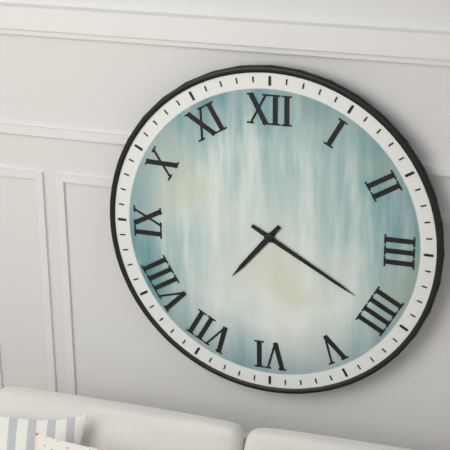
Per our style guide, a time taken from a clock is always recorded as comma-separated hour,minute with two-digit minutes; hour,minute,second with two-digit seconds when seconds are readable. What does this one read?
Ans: 7,20
